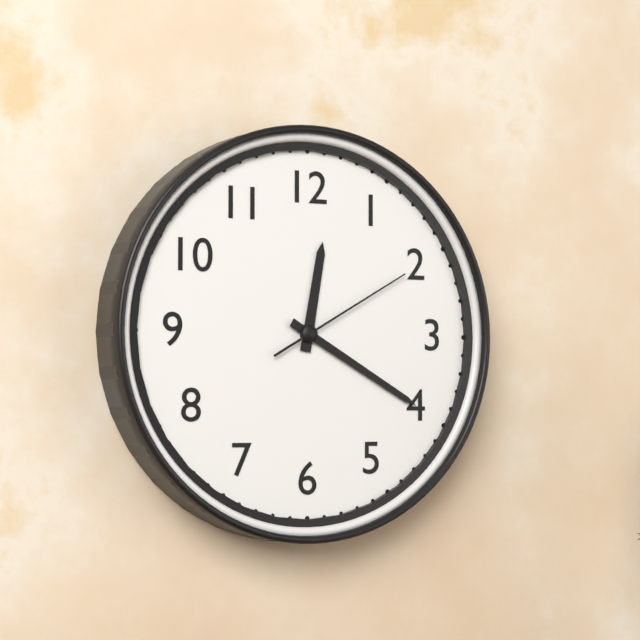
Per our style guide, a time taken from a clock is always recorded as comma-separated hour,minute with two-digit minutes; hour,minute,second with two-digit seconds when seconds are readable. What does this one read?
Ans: 12,20,10
